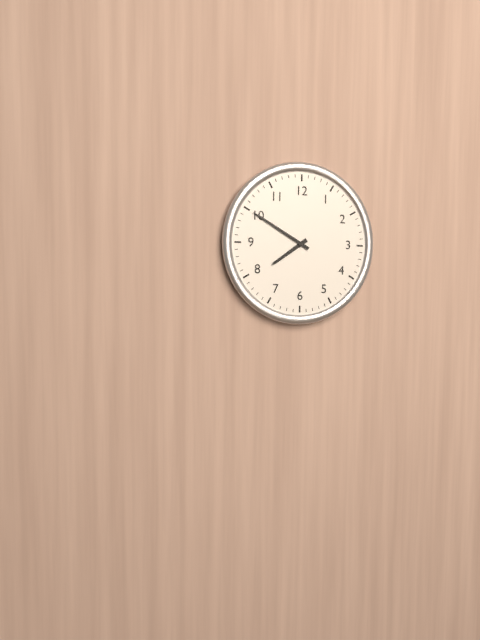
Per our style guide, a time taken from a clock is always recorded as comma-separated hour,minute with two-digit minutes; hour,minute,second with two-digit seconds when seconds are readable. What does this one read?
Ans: 7,50
